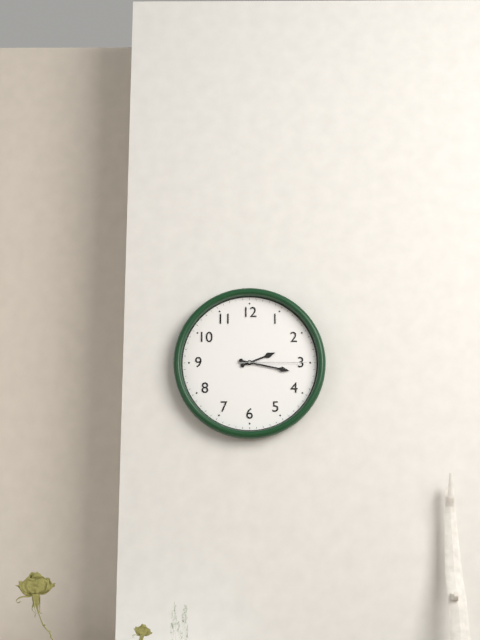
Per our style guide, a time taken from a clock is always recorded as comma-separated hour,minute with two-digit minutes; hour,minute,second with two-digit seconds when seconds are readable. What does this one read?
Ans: 2,17,15
